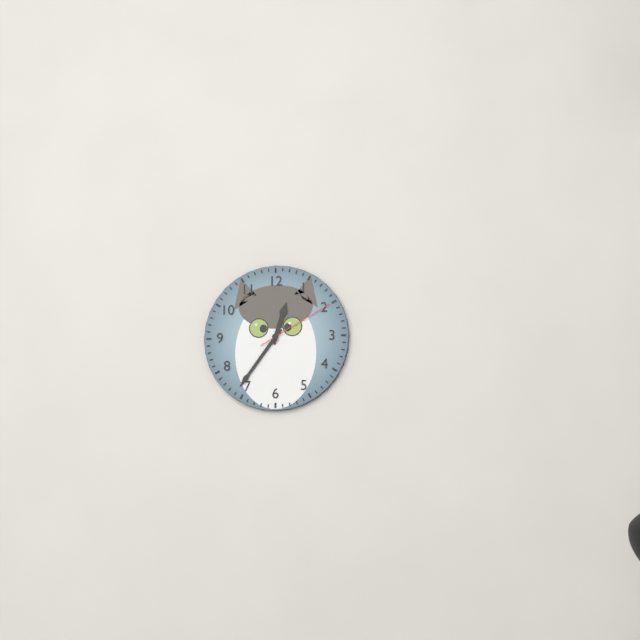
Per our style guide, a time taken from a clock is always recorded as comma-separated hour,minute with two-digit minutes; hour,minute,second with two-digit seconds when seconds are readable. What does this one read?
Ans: 12,36,10
